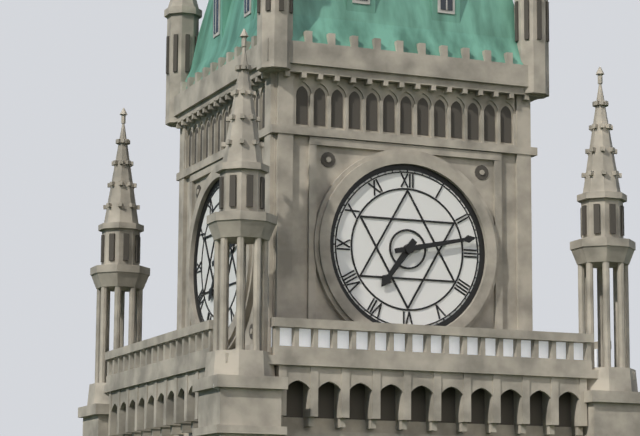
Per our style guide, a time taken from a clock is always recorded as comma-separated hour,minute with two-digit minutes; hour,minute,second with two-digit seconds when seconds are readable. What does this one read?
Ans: 7,13
